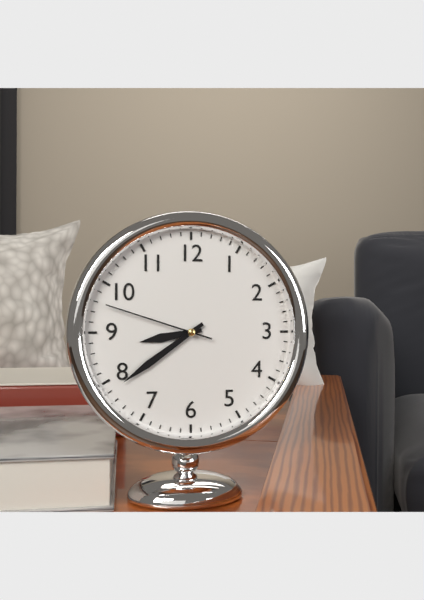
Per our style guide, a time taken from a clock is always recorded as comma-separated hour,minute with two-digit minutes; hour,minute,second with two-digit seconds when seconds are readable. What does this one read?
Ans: 8,39,48
